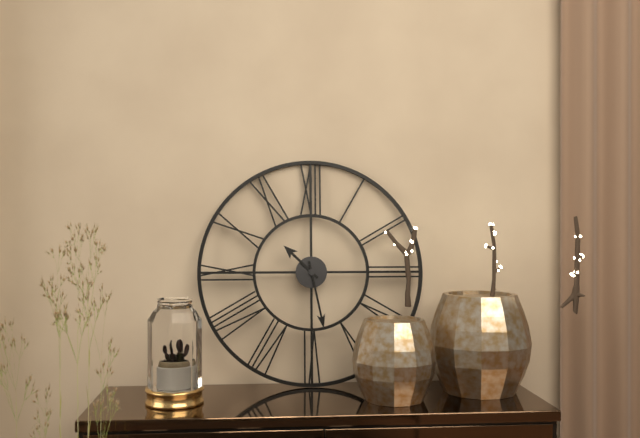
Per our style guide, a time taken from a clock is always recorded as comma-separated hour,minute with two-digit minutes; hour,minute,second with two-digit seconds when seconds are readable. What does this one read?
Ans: 10,28
